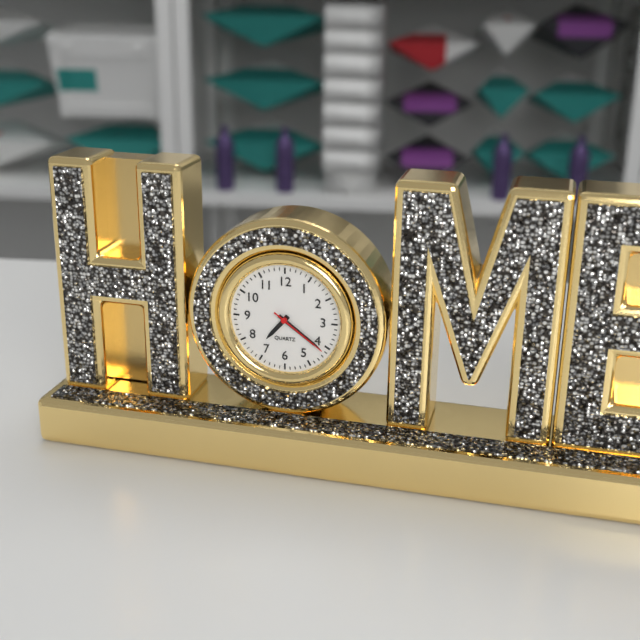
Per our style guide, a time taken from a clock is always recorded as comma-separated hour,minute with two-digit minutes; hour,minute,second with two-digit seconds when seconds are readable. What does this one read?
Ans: 7,21,21
